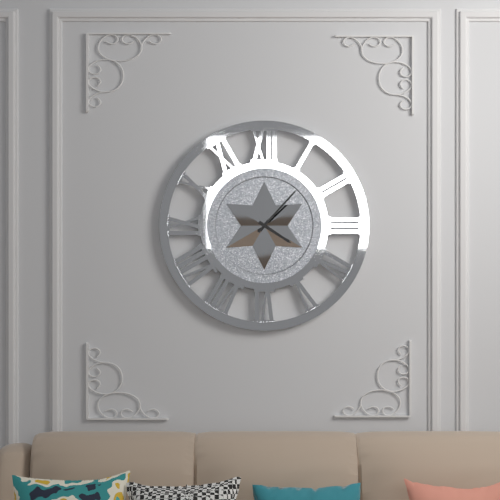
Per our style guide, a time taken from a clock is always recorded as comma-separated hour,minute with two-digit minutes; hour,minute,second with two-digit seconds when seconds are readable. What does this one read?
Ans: 4,07
